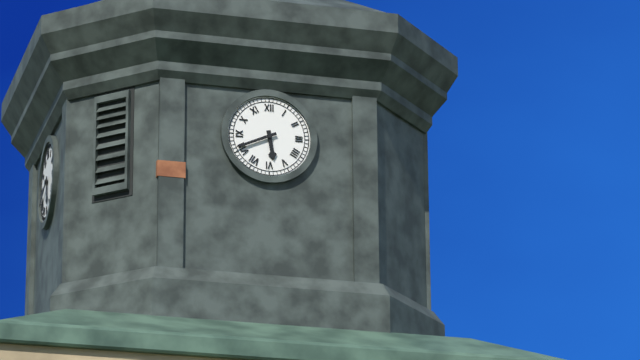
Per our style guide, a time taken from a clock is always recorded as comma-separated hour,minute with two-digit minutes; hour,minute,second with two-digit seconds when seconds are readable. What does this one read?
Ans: 5,41
